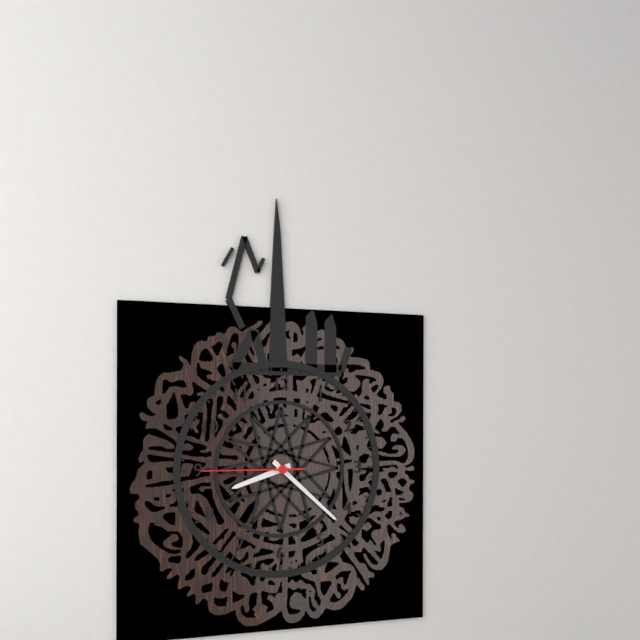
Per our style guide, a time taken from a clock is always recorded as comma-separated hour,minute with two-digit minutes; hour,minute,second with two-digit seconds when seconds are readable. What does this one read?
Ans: 8,22,45
